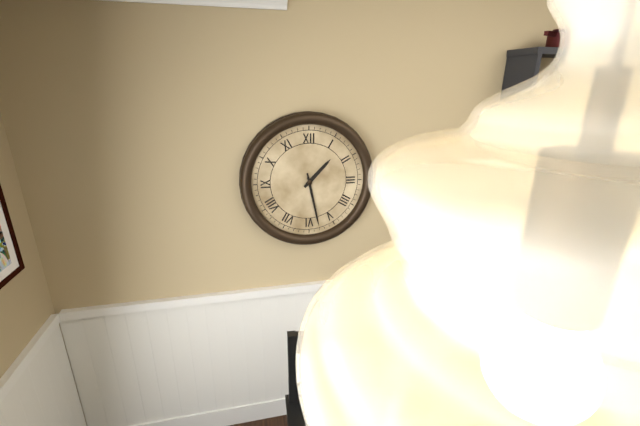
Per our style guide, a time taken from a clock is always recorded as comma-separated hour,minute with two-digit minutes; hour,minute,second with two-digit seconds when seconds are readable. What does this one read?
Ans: 1,28
